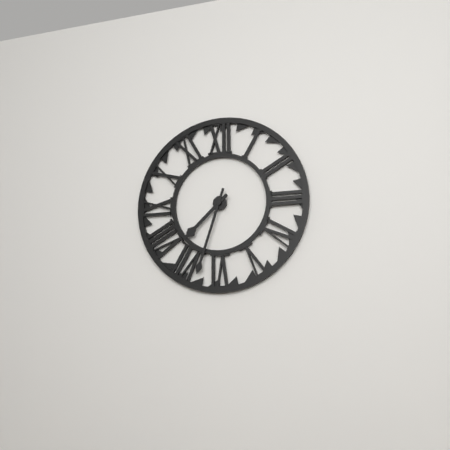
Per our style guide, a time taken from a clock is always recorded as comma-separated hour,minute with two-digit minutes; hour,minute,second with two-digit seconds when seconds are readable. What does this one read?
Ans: 7,33
